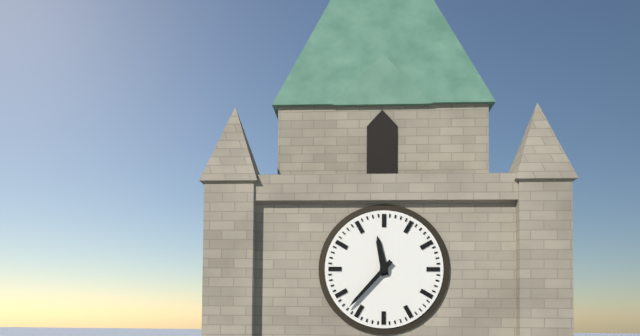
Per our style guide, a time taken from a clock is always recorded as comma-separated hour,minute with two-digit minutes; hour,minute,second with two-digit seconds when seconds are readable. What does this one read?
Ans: 11,37
